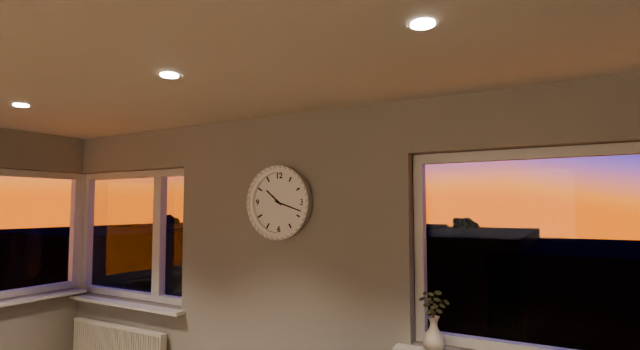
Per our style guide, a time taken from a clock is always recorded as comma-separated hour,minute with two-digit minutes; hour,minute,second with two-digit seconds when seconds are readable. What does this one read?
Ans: 10,18
